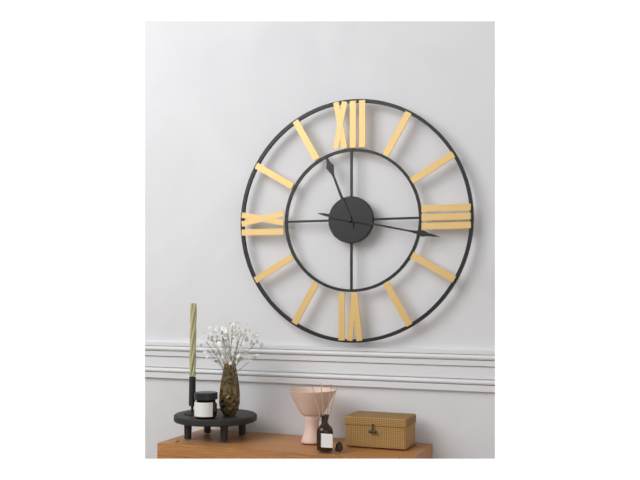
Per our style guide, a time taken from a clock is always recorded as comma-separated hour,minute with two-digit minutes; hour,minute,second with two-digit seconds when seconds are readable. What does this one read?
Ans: 11,17
